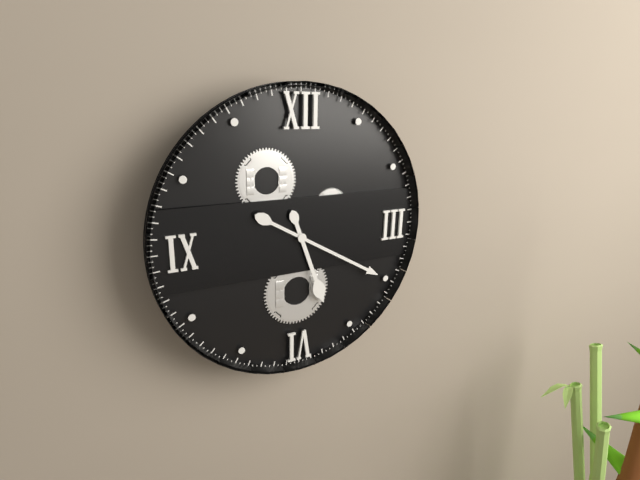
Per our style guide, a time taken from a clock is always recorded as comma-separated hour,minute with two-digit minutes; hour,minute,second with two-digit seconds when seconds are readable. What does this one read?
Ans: 5,20
